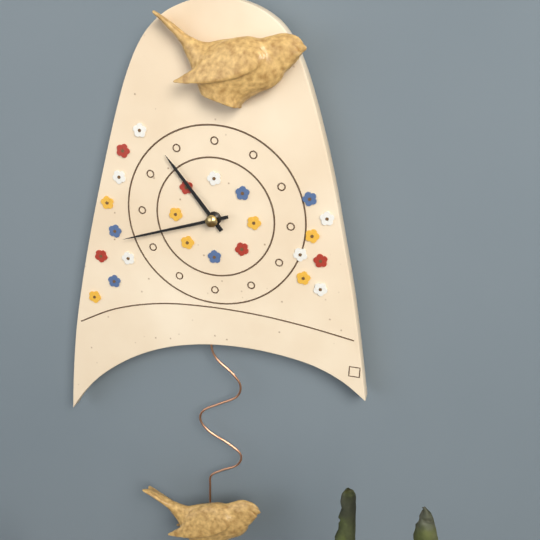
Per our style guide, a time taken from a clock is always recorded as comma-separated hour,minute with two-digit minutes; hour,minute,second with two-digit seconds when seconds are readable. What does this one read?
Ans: 10,42
